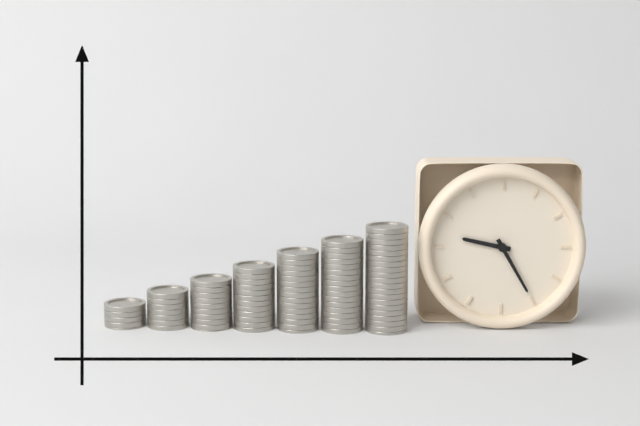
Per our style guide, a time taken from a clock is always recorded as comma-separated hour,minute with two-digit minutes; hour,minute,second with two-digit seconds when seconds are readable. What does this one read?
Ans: 9,25
